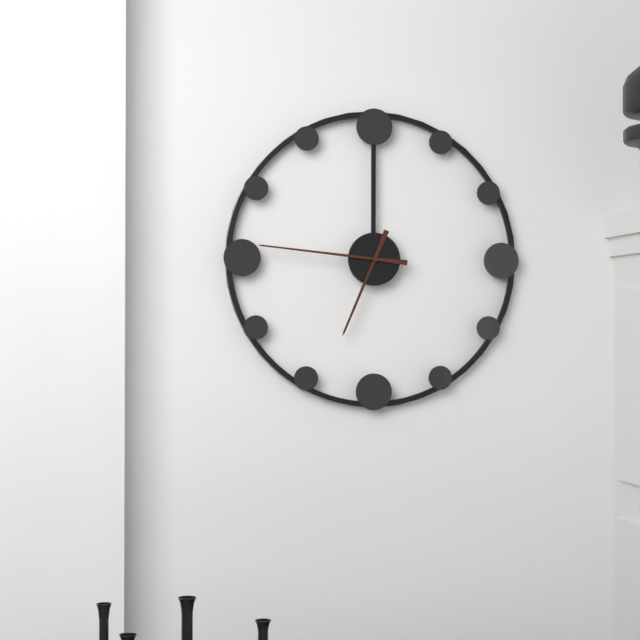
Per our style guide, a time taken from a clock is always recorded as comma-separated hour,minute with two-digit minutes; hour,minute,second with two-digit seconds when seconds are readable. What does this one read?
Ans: 6,46
